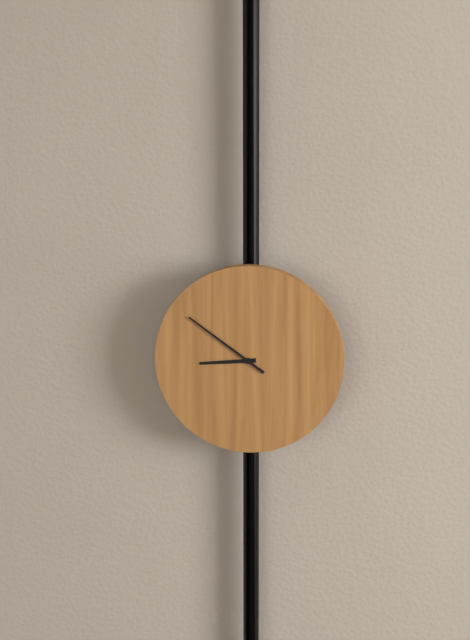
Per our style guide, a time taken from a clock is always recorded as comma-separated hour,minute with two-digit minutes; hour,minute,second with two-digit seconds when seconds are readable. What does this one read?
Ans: 8,51
